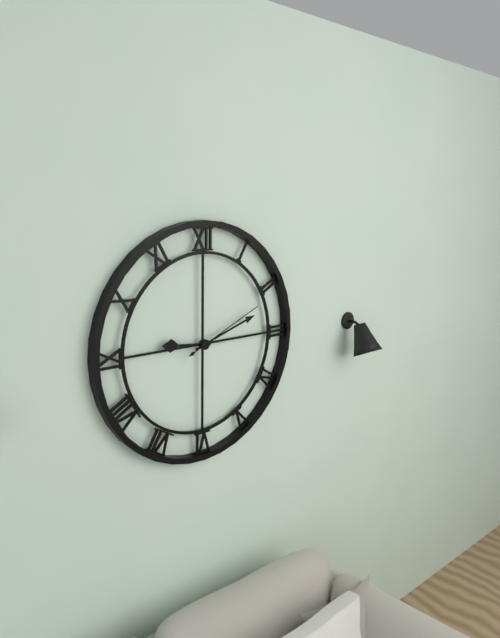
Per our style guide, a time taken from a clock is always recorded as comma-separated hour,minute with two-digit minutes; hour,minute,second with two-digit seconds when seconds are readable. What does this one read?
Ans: 9,12,11
